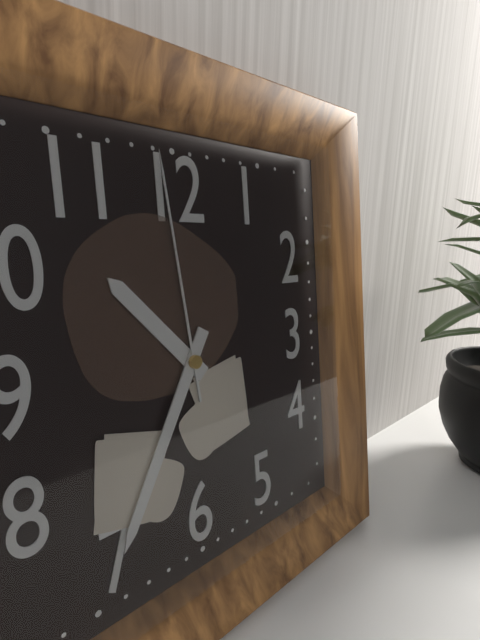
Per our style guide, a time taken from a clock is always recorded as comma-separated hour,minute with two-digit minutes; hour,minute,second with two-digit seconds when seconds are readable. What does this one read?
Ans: 10,35,59
